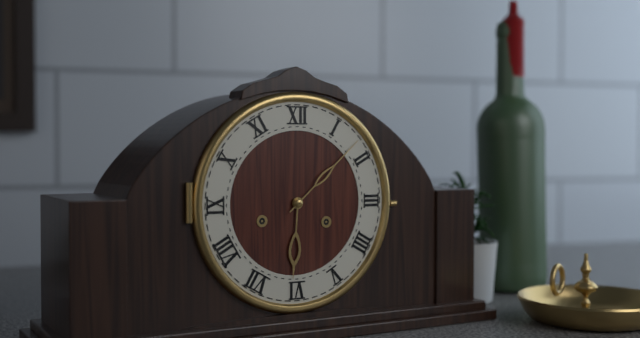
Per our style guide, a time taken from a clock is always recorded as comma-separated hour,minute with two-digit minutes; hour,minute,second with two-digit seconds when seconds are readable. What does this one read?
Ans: 6,08
